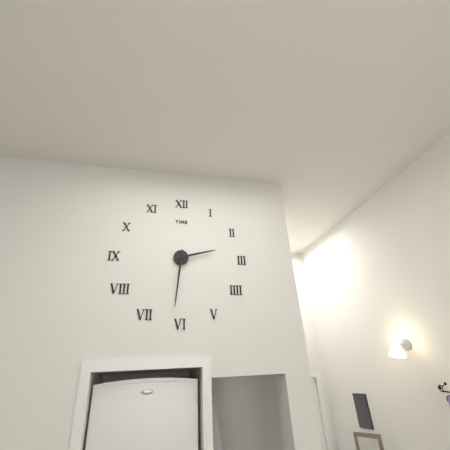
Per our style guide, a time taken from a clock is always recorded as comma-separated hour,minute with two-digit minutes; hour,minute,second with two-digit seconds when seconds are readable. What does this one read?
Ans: 2,31
